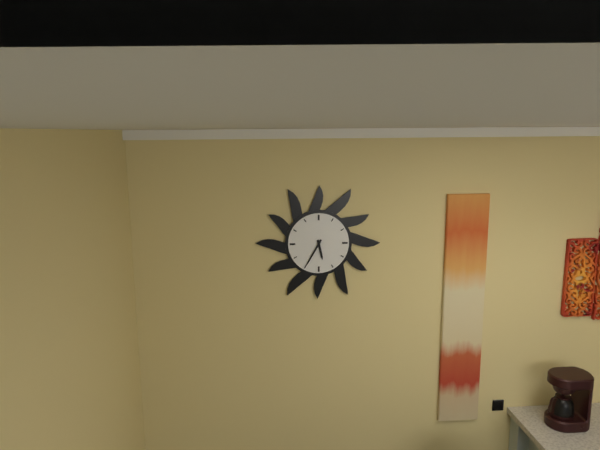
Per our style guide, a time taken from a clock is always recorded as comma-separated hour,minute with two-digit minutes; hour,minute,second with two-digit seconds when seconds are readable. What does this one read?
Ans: 5,35
